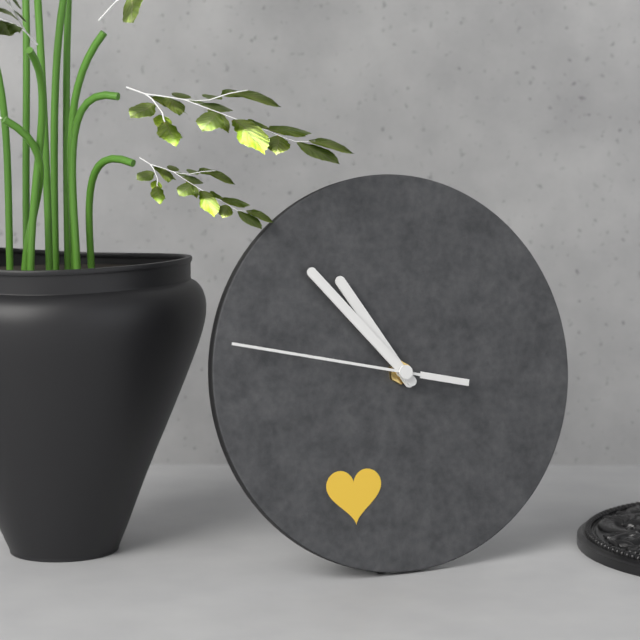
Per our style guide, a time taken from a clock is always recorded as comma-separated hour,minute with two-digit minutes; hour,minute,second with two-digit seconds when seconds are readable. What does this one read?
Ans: 10,53,47
